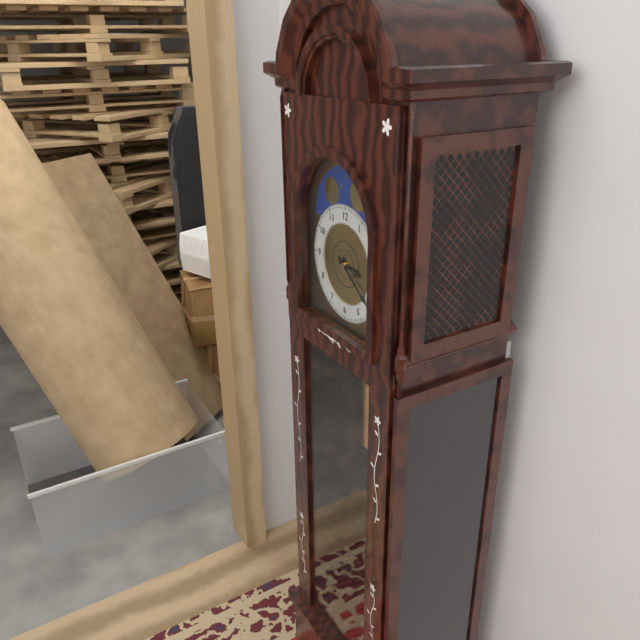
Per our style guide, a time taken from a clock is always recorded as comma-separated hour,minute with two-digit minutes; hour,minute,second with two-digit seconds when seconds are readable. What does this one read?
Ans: 3,21
